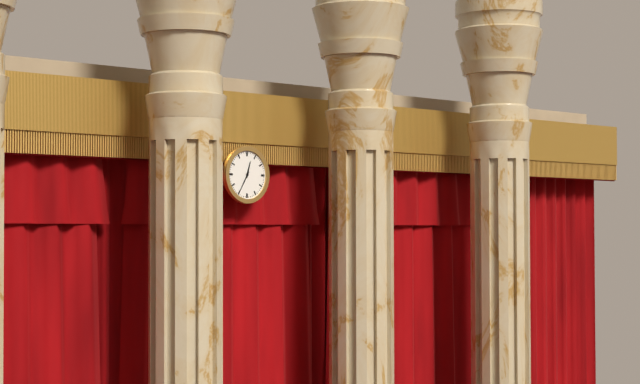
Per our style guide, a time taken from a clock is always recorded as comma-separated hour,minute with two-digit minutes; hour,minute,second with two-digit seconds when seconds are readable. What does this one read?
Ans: 12,35
